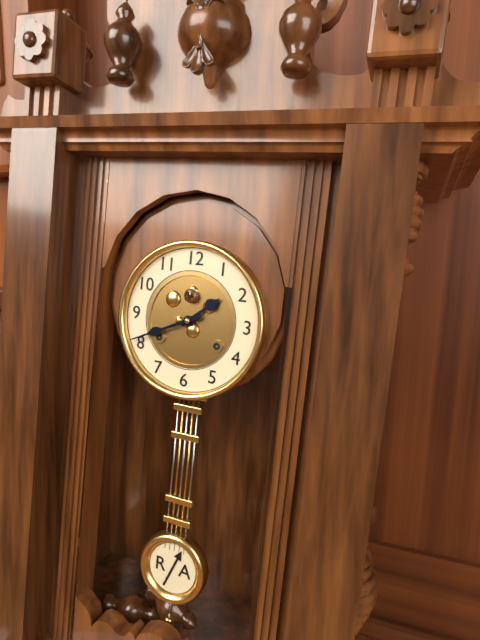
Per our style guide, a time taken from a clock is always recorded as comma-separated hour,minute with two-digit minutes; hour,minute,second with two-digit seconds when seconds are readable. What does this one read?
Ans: 1,41
